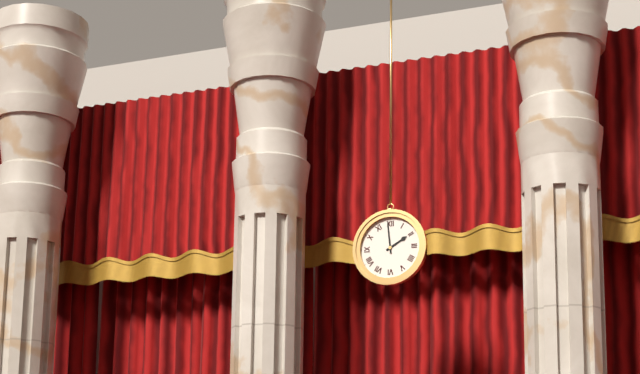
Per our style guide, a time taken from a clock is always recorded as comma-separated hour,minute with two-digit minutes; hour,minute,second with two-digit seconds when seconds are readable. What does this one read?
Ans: 1,59
